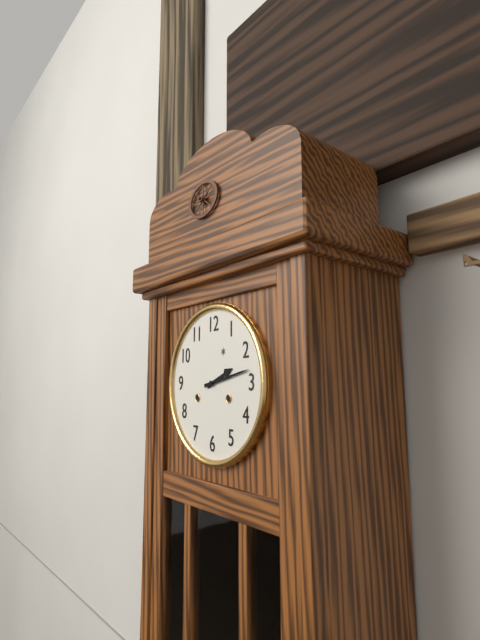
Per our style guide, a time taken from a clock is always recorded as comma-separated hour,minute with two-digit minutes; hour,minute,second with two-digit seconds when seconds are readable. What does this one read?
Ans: 2,13
